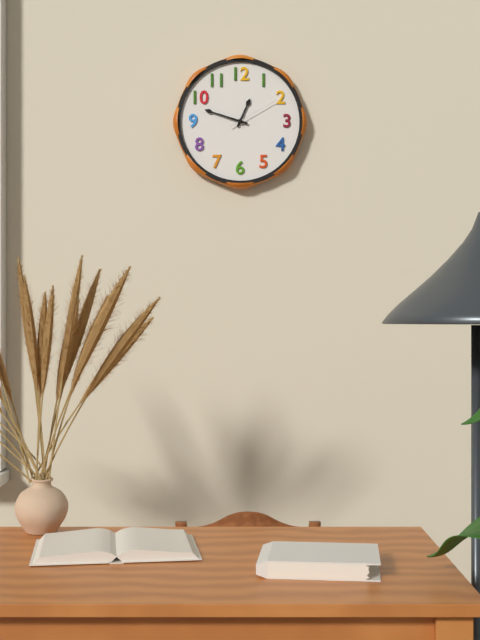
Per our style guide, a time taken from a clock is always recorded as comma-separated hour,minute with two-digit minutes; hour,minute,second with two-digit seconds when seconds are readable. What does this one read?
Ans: 12,48,10
